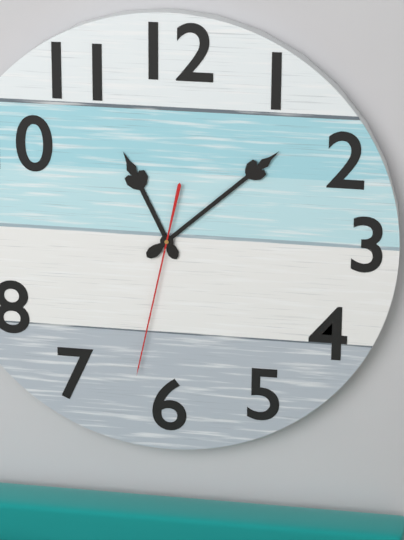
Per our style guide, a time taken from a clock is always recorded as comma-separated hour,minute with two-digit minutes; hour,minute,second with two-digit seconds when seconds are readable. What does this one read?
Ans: 11,08,32
